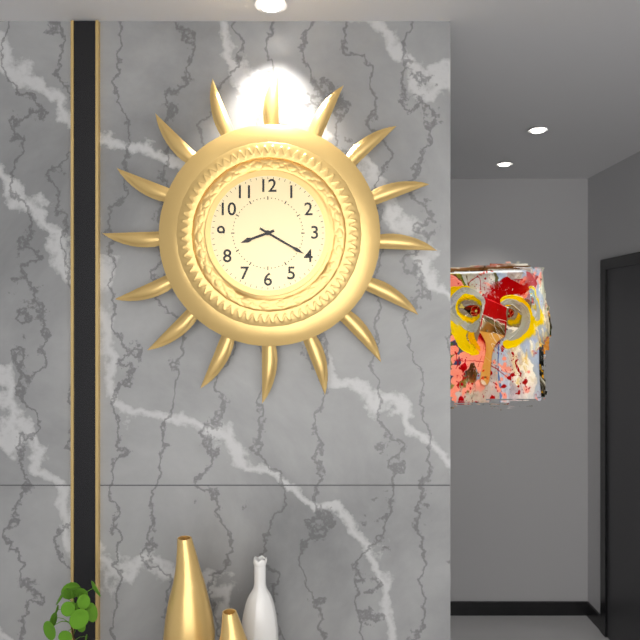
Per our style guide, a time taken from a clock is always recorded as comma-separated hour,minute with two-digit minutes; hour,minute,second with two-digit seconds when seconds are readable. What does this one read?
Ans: 8,20
